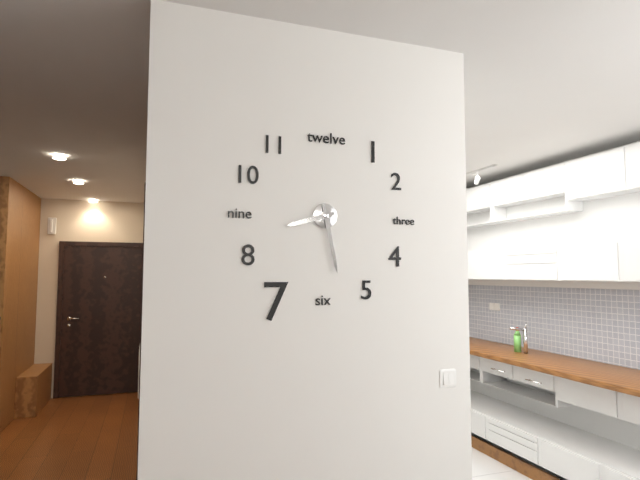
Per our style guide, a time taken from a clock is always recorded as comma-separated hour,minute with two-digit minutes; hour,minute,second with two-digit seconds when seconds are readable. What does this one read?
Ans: 8,28
